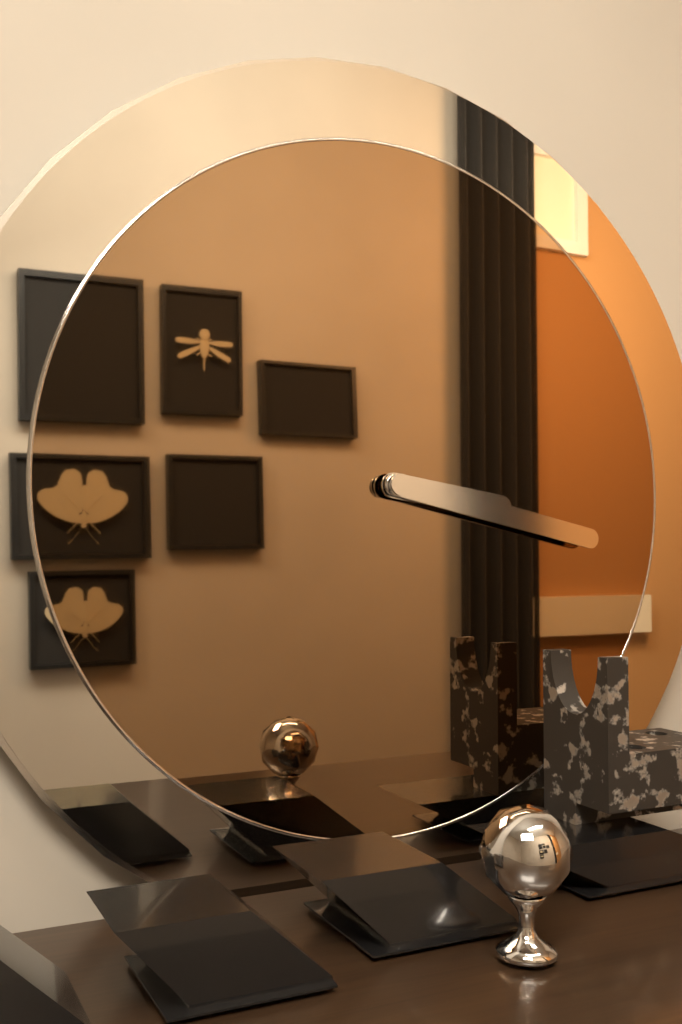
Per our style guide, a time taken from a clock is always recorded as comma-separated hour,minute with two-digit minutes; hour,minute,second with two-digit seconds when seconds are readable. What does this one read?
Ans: 3,17
